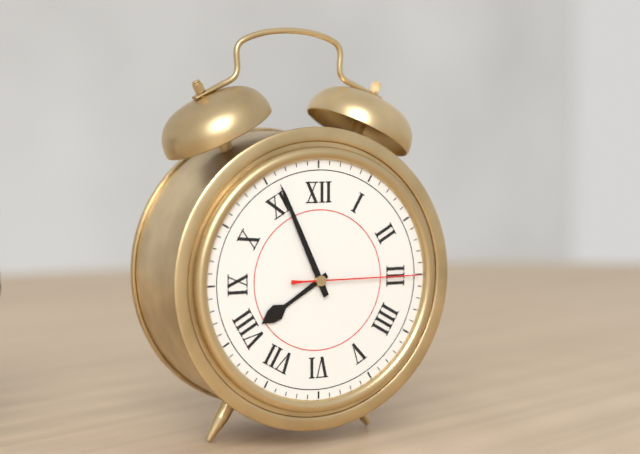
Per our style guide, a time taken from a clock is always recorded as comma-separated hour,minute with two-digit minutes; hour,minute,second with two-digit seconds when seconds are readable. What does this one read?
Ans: 7,56,15
